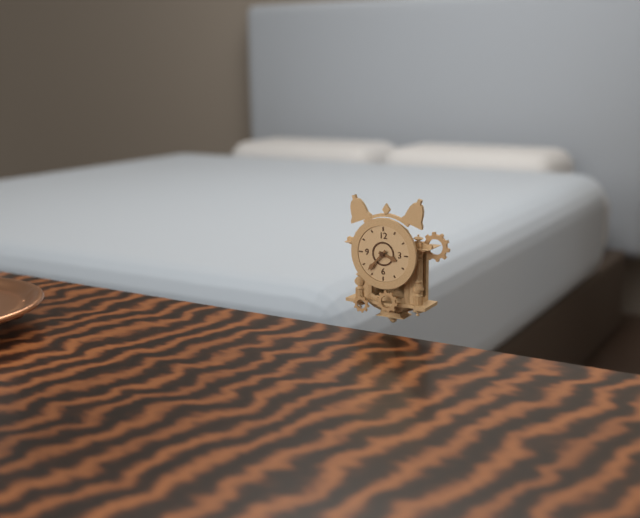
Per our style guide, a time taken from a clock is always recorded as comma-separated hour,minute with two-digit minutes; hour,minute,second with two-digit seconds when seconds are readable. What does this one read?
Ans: 3,37
